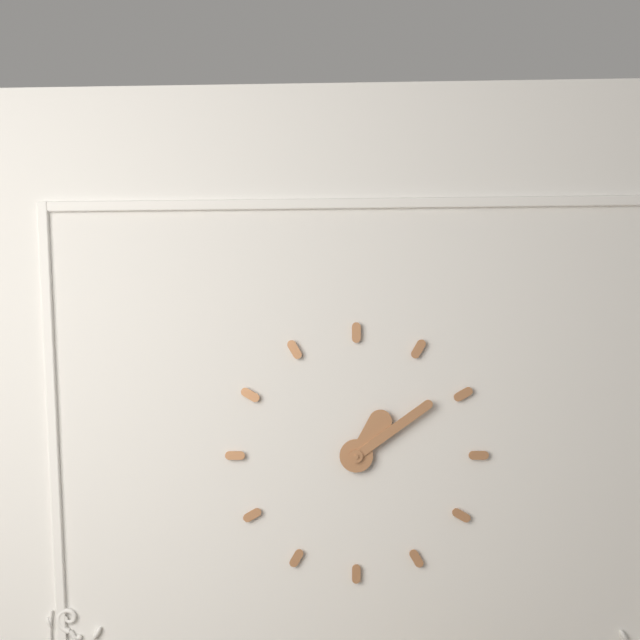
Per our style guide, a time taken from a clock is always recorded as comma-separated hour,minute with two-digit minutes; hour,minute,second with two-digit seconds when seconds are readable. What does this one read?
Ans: 1,09
